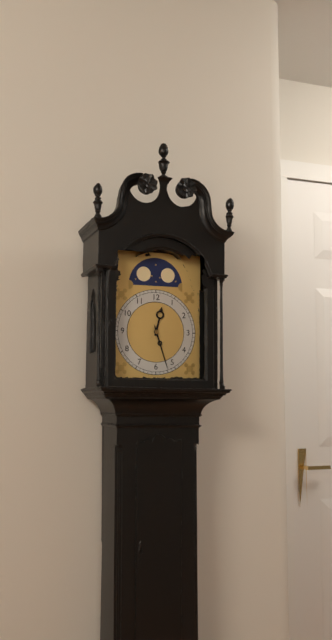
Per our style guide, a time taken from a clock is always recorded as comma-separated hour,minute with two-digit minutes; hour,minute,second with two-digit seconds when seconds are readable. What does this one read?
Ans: 12,27
